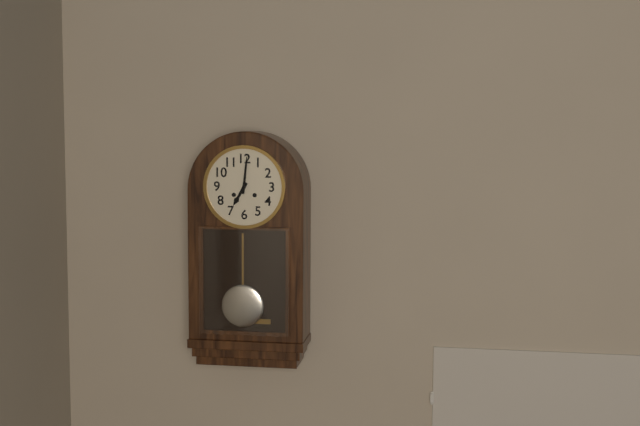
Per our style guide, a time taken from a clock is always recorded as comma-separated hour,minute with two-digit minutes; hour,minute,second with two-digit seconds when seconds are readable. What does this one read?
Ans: 7,01
